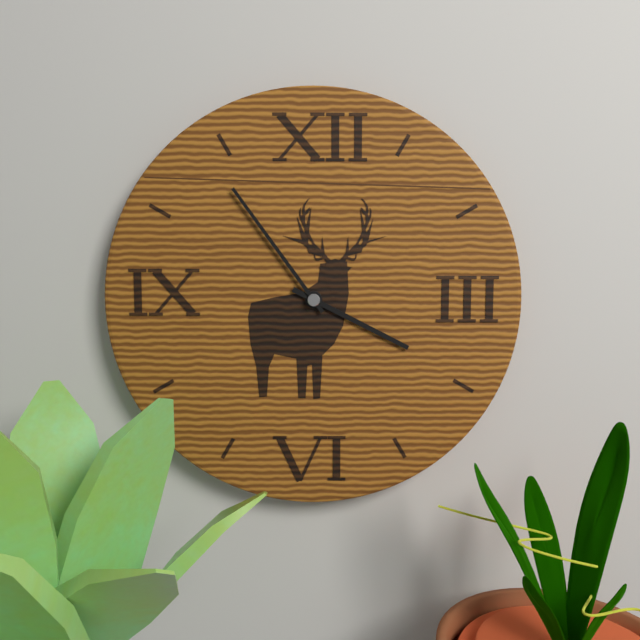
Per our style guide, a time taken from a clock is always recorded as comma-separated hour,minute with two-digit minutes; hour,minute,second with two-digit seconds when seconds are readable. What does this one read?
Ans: 3,54
